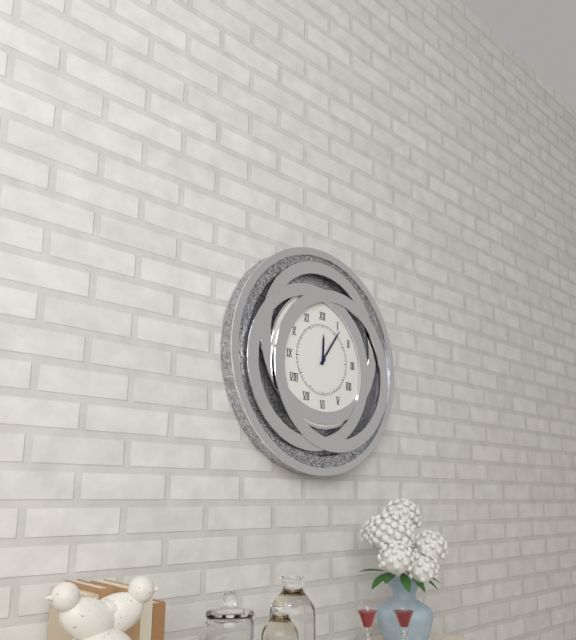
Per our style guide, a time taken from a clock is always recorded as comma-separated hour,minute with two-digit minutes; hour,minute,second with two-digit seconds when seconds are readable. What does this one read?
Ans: 12,06
